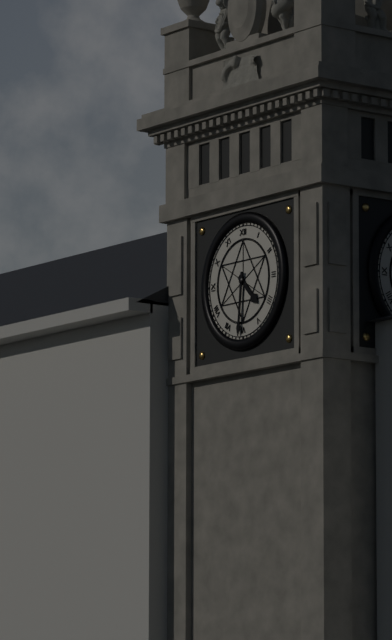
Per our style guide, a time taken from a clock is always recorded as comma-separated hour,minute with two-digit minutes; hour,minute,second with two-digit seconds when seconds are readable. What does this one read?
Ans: 4,31
